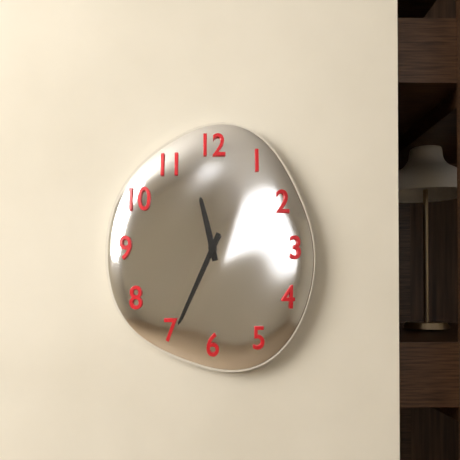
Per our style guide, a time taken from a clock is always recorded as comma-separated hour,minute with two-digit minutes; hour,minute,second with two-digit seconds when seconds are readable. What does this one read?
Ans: 11,34
